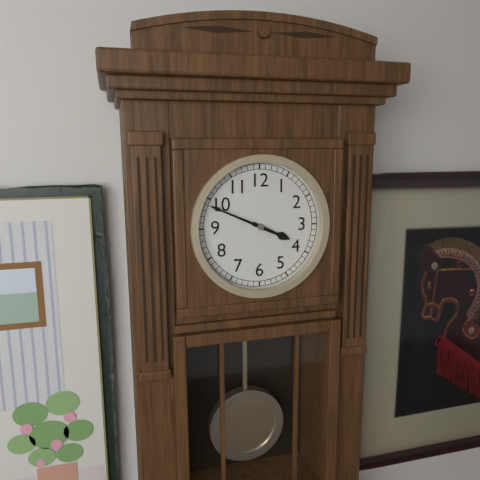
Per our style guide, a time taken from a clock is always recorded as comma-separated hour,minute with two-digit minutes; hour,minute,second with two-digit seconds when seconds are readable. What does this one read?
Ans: 3,49
